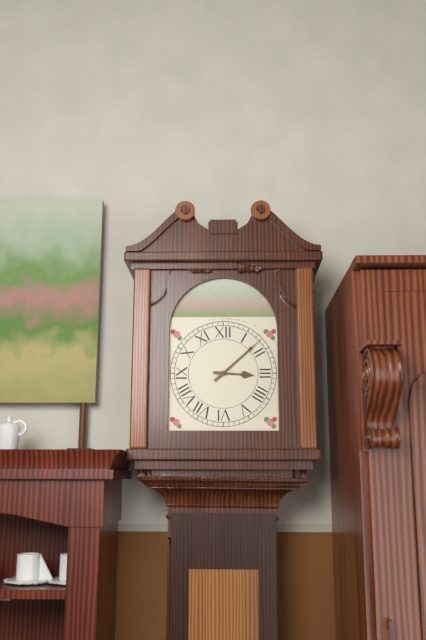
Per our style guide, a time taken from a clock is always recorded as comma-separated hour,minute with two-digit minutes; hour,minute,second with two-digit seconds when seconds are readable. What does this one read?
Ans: 3,08
